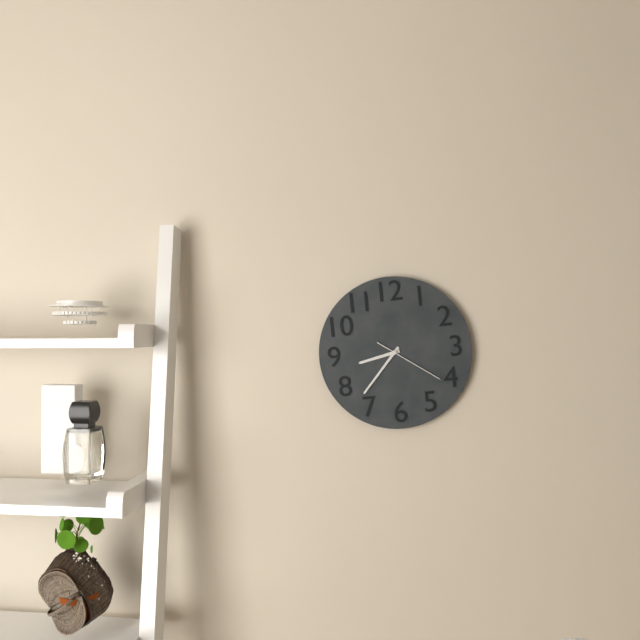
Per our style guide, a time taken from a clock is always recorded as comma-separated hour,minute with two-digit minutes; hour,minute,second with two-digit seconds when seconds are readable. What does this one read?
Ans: 8,37,21
